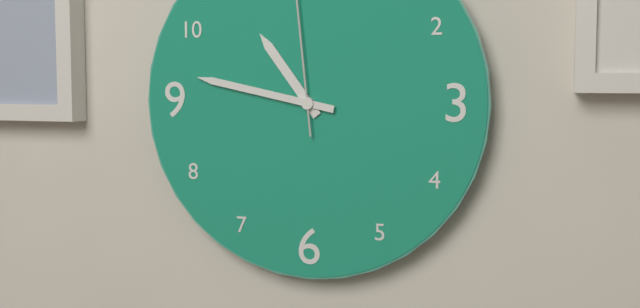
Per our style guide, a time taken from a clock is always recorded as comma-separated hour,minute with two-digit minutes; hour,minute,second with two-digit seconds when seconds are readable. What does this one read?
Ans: 10,47
